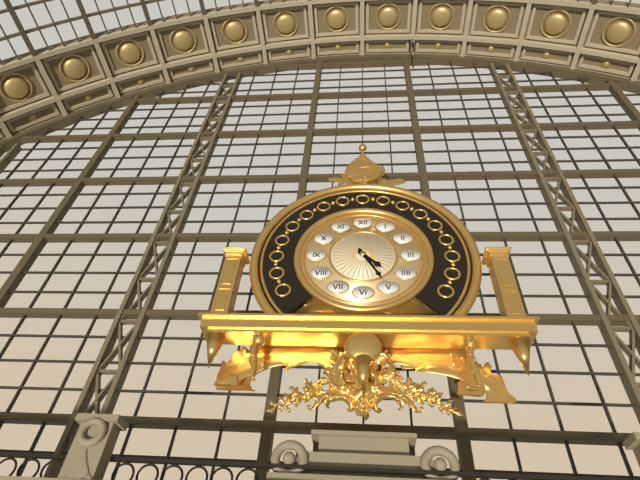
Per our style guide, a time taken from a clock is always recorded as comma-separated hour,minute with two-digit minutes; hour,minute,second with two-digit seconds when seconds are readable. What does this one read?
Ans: 4,25
